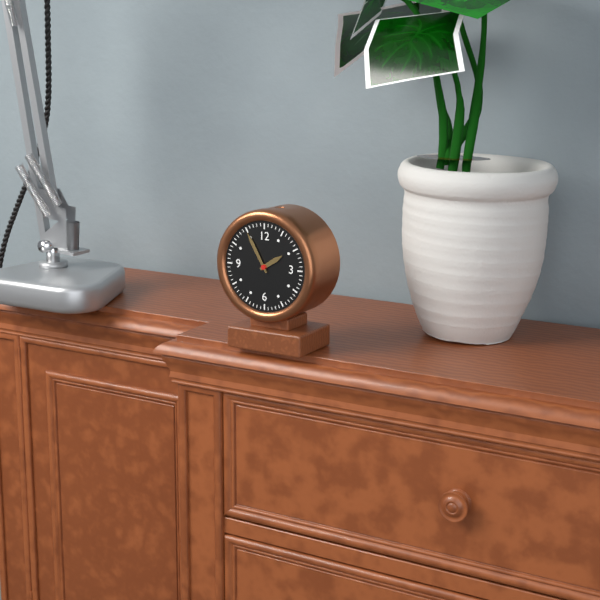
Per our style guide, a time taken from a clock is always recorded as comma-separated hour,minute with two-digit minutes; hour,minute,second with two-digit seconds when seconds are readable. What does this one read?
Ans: 1,55
